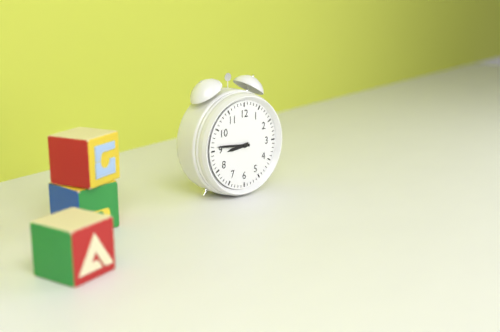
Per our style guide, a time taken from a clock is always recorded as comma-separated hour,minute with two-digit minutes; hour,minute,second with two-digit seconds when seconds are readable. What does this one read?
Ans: 8,46
